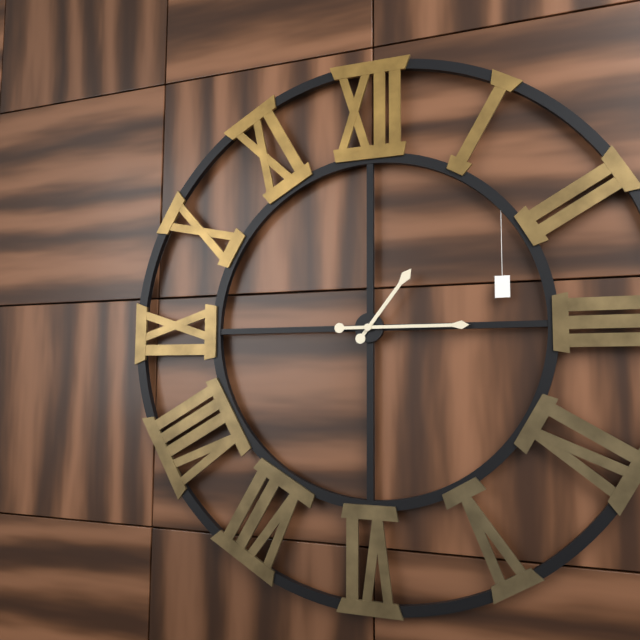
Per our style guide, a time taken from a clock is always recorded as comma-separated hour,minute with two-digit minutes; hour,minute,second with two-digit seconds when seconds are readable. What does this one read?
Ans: 1,15
